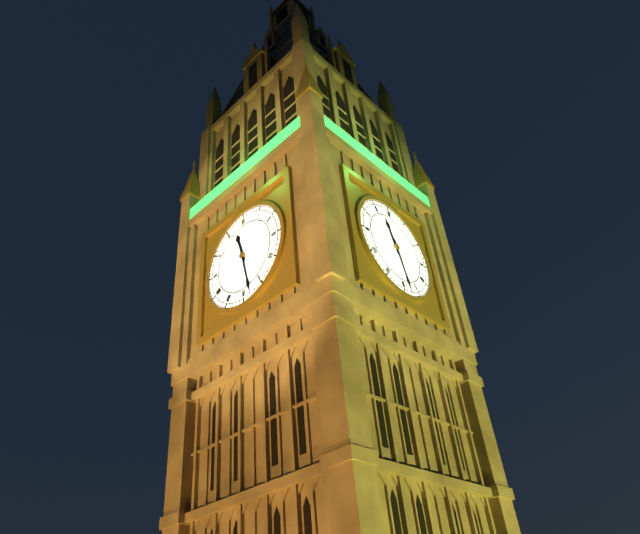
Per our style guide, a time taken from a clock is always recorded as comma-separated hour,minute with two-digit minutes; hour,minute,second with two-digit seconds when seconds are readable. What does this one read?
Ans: 11,28
